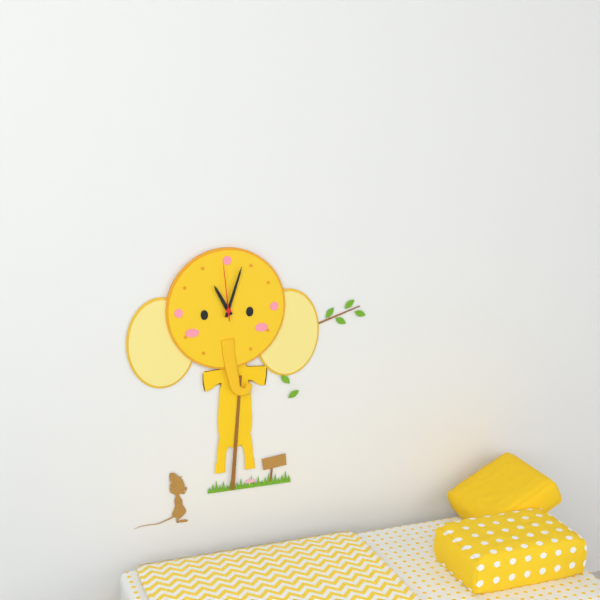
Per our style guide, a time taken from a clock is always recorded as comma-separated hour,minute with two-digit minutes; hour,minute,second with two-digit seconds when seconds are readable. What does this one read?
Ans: 11,03,59
